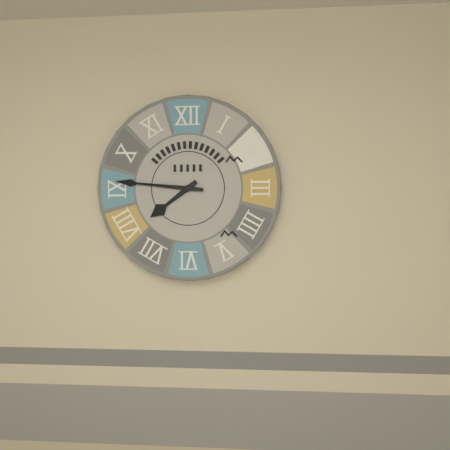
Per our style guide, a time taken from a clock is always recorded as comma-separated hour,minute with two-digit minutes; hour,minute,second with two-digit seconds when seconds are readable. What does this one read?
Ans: 7,46
